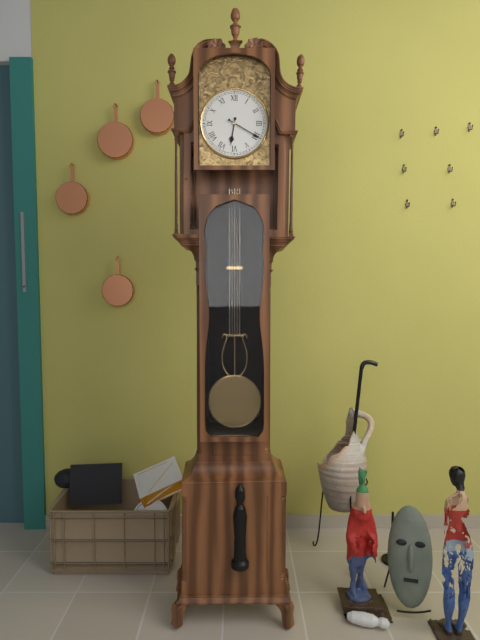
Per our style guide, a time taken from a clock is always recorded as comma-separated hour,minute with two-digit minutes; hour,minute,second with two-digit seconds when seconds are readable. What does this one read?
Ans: 6,20
